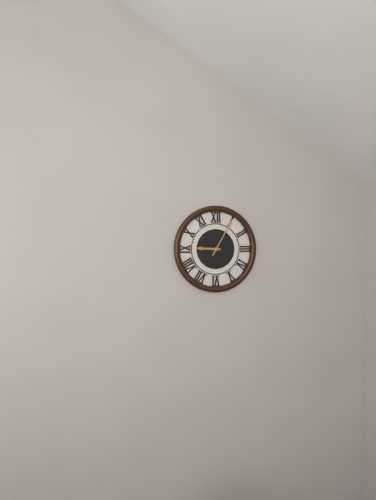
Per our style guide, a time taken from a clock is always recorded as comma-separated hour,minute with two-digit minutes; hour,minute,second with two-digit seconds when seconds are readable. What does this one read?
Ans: 9,05
